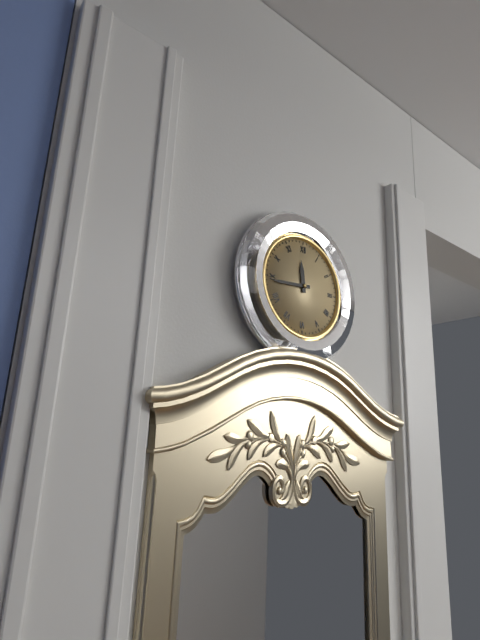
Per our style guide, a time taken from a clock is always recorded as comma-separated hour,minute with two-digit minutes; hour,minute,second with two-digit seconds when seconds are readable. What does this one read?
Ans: 11,44
